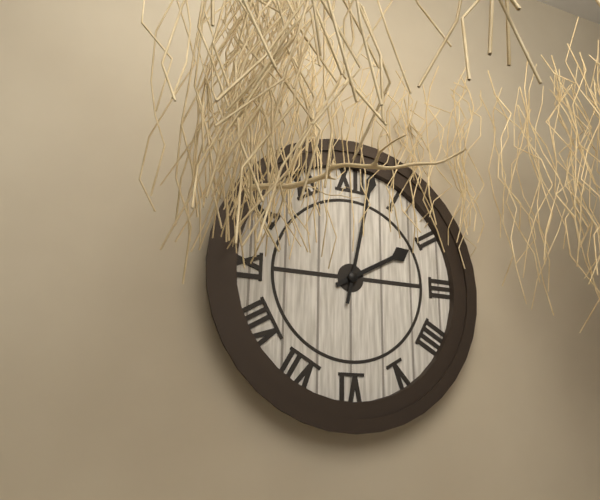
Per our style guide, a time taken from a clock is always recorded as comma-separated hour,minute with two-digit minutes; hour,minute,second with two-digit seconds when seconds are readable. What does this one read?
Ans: 2,02
